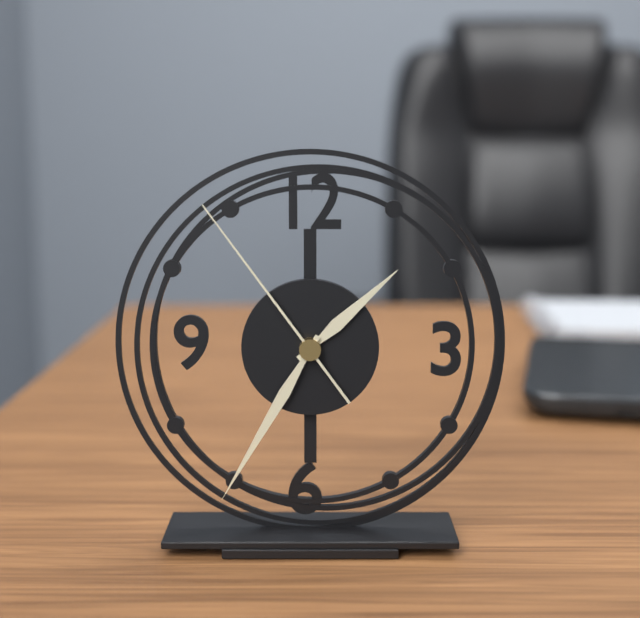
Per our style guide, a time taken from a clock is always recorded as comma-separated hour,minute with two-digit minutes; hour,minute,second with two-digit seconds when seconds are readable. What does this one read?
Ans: 1,35,54
